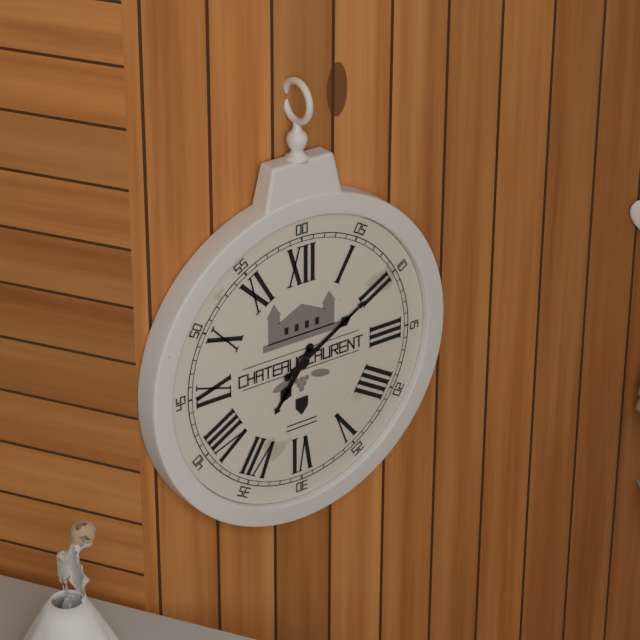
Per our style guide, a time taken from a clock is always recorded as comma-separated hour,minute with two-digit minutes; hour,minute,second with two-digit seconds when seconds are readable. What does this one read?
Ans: 7,10
